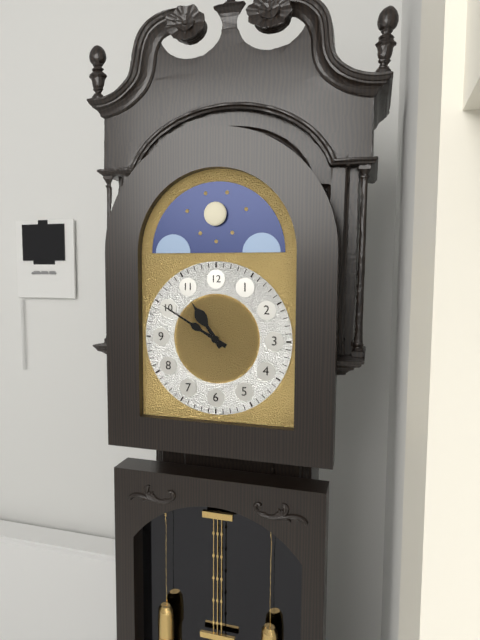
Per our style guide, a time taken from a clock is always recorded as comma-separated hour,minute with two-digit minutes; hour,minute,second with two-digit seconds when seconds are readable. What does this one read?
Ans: 10,50
